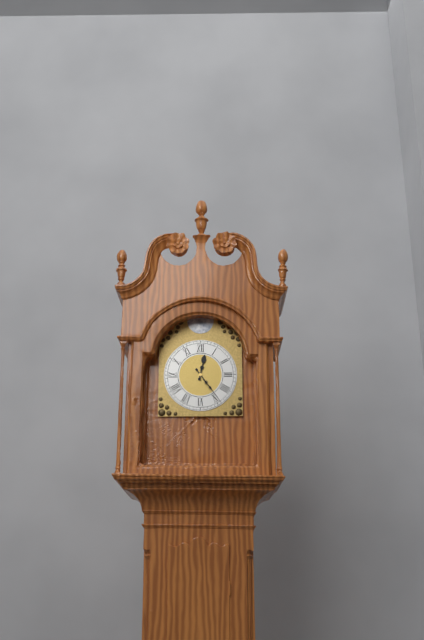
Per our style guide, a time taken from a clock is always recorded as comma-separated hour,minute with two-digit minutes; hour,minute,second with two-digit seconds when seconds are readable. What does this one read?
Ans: 12,24
